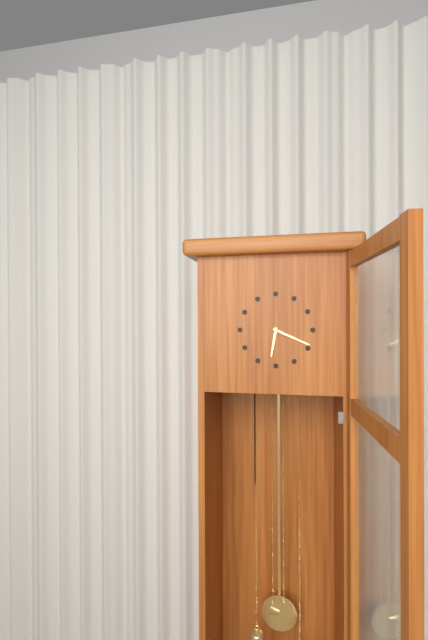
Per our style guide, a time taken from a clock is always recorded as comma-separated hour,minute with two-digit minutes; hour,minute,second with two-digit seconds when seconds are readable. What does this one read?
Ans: 6,19
